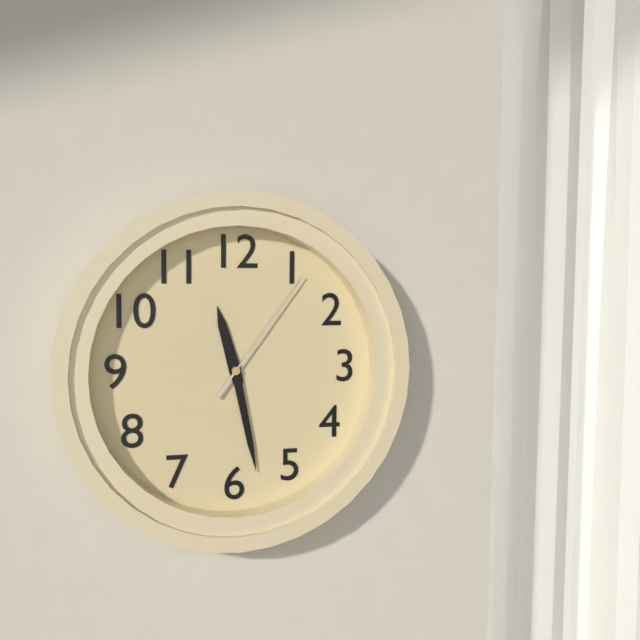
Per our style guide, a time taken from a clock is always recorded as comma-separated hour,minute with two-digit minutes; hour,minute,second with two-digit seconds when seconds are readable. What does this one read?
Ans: 11,28,06
